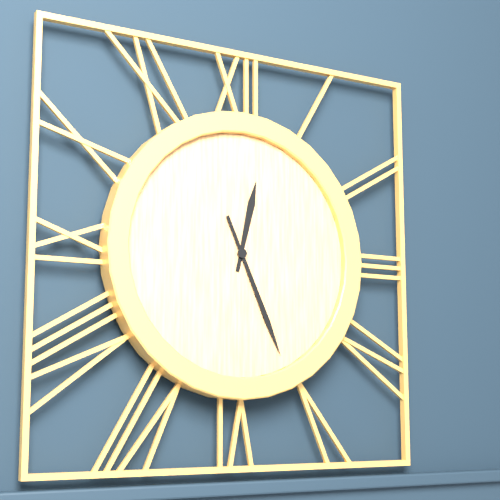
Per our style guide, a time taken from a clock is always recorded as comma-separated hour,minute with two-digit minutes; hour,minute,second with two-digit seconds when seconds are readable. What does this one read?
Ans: 12,26
